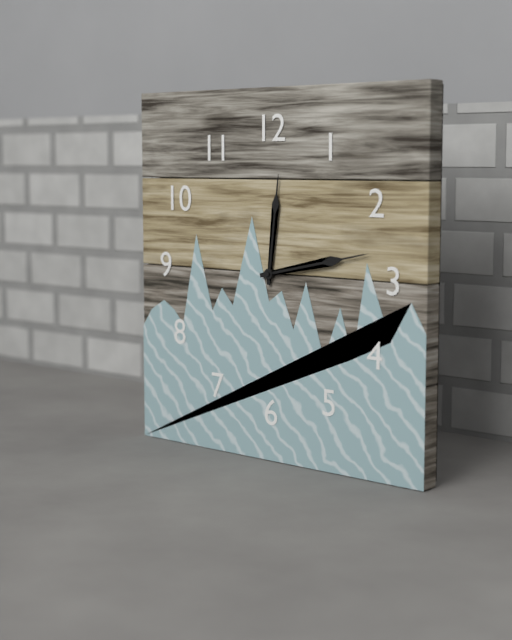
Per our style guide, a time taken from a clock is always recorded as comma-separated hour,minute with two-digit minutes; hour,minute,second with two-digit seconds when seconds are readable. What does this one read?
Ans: 12,13
